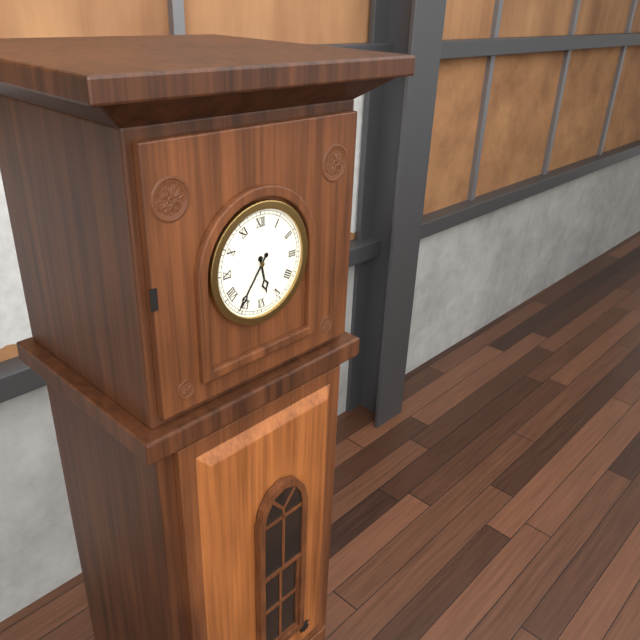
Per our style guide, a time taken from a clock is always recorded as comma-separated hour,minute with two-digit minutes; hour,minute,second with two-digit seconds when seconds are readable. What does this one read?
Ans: 5,36
